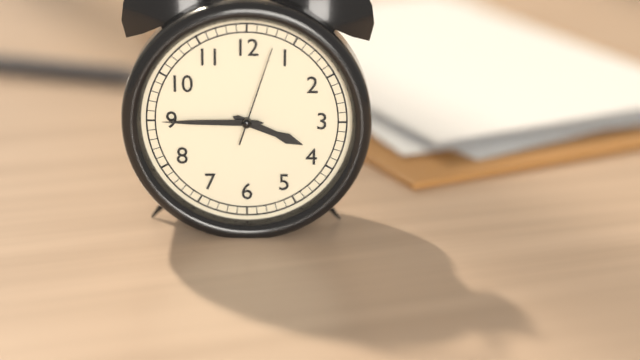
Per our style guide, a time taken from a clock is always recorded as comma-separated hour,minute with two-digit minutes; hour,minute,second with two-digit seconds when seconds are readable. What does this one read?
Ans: 3,45,03
